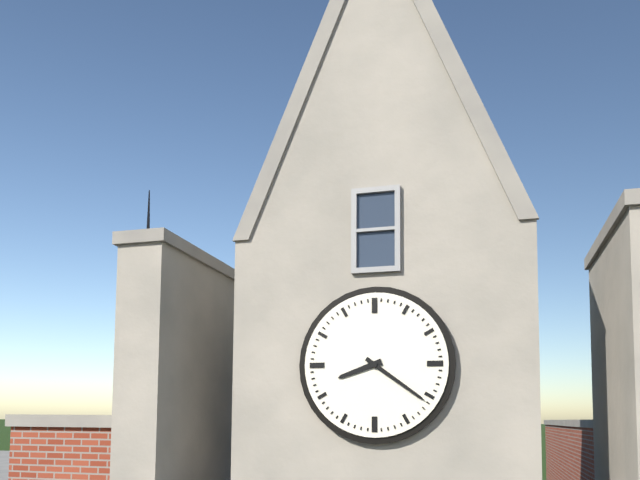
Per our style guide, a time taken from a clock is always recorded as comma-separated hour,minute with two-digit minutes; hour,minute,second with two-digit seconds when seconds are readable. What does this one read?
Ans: 8,21
